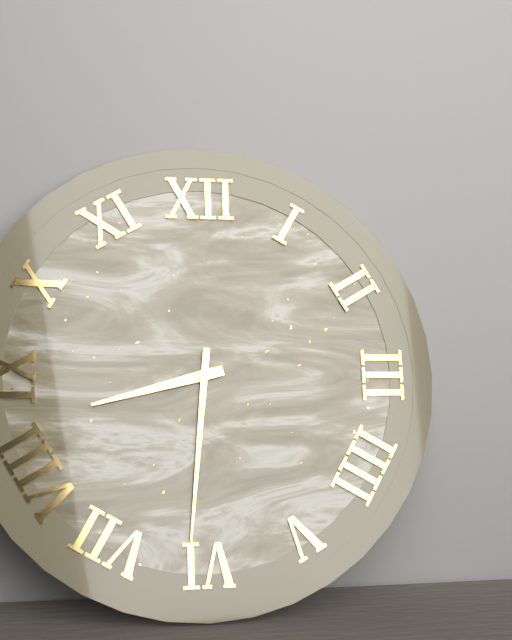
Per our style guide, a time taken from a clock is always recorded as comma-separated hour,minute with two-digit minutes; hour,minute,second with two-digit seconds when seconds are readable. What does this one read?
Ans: 8,31
